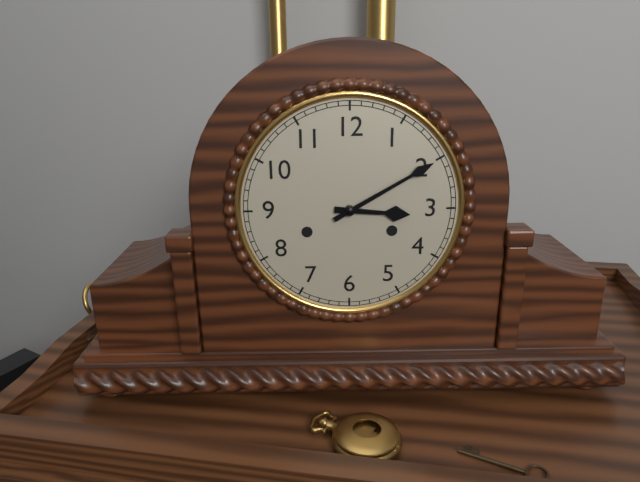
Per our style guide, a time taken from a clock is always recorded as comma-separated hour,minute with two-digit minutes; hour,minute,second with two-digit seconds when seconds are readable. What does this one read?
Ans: 3,10
